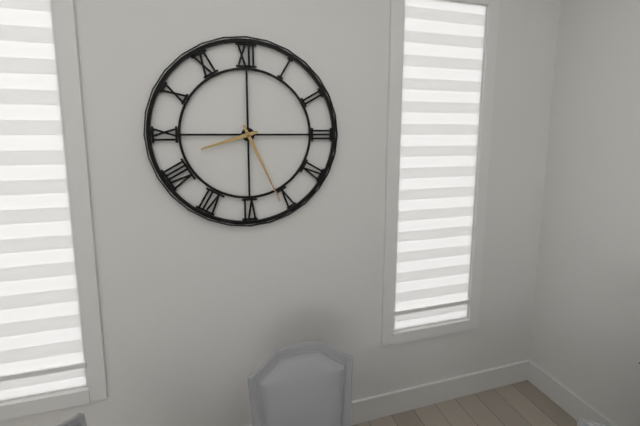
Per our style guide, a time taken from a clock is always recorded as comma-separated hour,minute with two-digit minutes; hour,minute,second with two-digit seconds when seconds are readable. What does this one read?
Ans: 8,26
